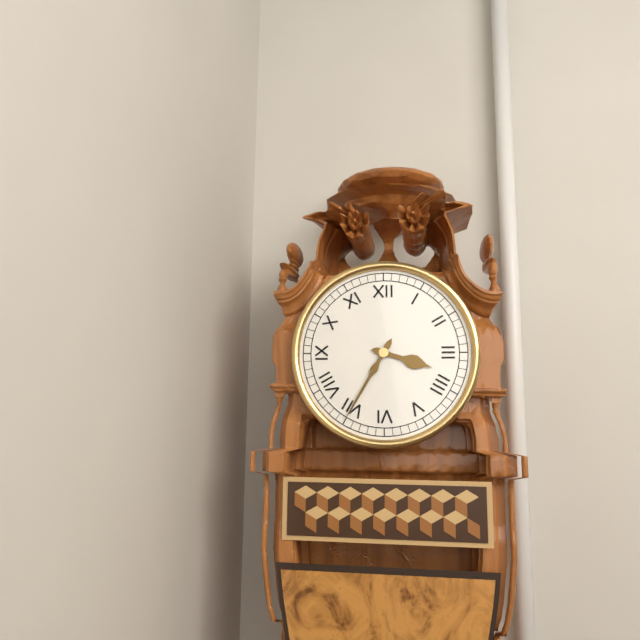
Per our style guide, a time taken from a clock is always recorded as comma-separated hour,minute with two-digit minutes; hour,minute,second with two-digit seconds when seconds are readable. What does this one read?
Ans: 3,35
